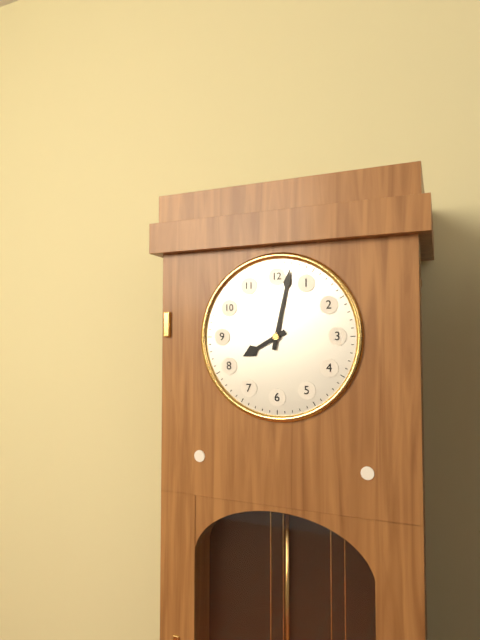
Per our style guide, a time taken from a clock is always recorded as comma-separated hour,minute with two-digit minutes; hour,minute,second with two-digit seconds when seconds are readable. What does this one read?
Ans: 8,02
